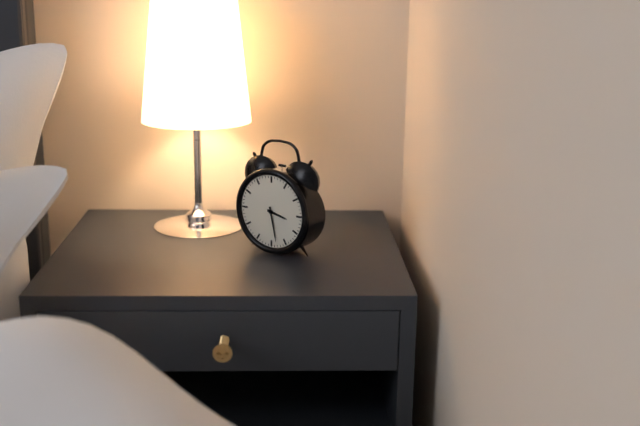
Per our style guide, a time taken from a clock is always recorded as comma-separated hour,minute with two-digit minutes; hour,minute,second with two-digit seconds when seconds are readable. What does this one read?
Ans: 3,28
